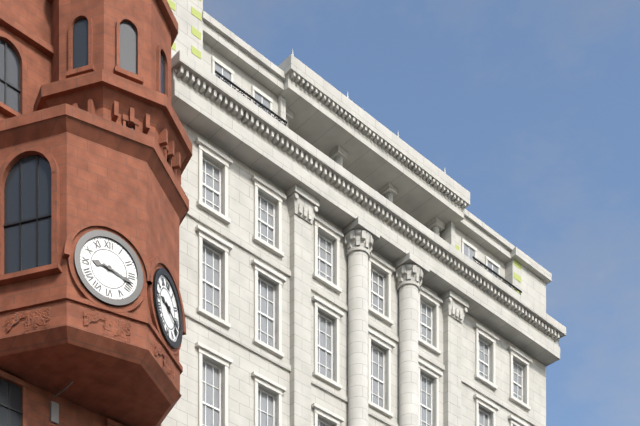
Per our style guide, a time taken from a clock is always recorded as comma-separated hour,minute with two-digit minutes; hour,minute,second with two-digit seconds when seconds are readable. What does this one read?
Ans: 9,18
